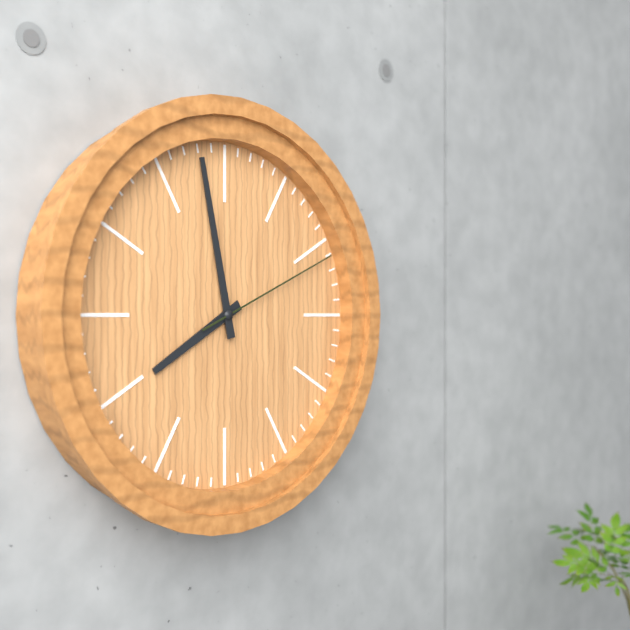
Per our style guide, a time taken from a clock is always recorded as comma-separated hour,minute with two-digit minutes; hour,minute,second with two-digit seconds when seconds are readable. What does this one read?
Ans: 7,58,11
